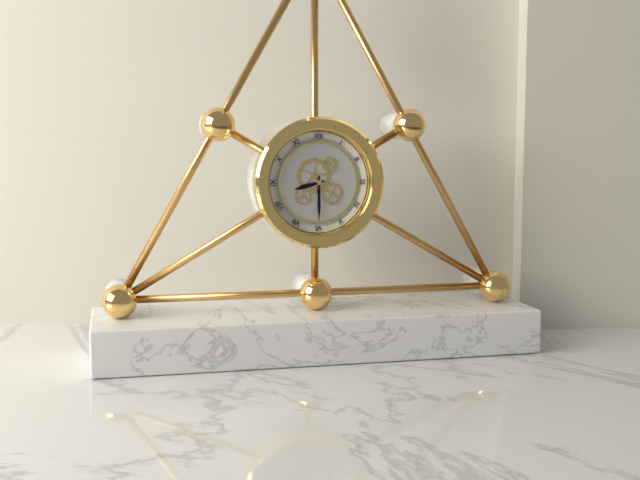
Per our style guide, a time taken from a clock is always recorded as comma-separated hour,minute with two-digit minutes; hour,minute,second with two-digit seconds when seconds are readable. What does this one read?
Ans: 8,30
